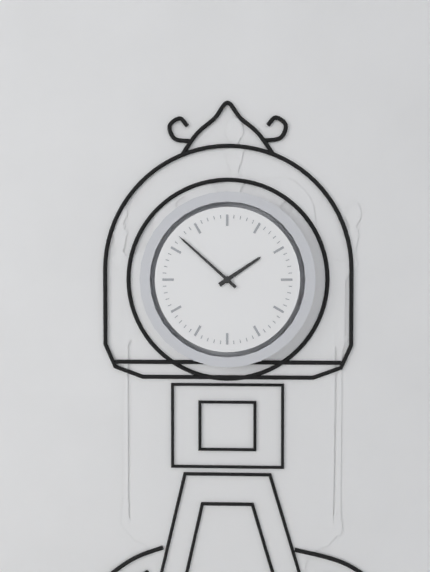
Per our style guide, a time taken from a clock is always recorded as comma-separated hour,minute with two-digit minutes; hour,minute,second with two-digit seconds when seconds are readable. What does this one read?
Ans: 1,52
